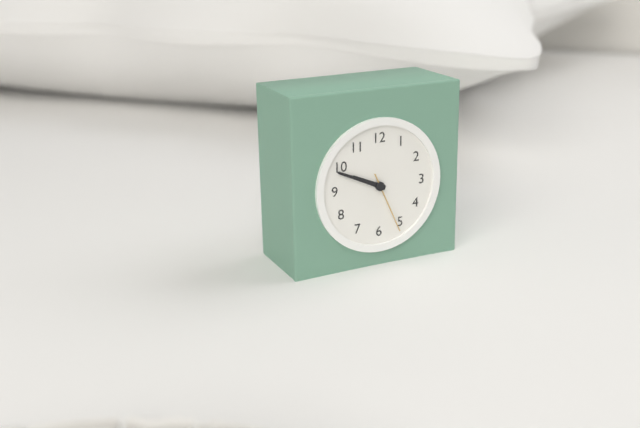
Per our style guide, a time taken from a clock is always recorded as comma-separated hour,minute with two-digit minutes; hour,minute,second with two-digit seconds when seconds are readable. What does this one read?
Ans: 9,49,26
